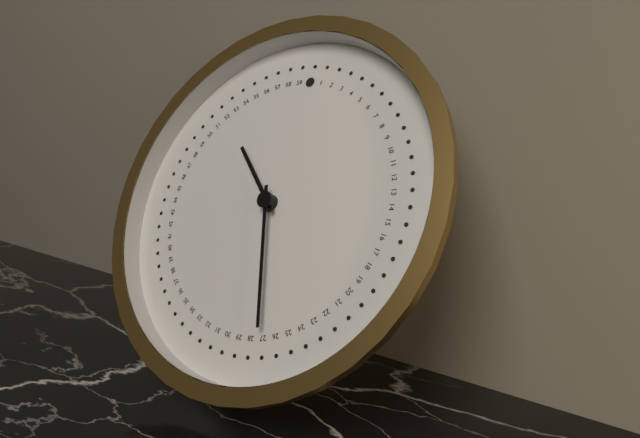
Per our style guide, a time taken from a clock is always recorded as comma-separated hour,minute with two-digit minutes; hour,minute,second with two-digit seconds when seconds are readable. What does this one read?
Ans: 10,27
